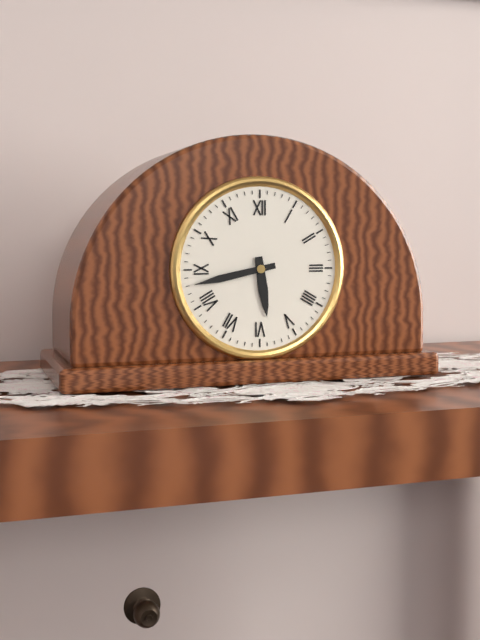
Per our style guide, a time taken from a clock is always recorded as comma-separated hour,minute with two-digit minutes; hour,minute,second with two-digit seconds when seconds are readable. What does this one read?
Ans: 5,43
